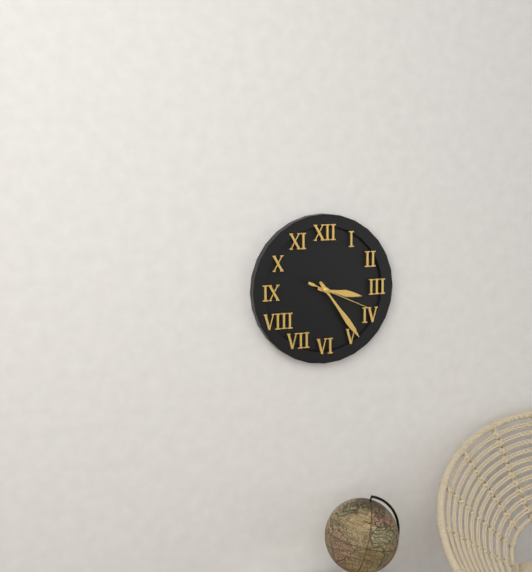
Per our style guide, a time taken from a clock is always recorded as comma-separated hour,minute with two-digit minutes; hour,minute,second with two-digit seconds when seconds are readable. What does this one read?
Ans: 3,24,19
